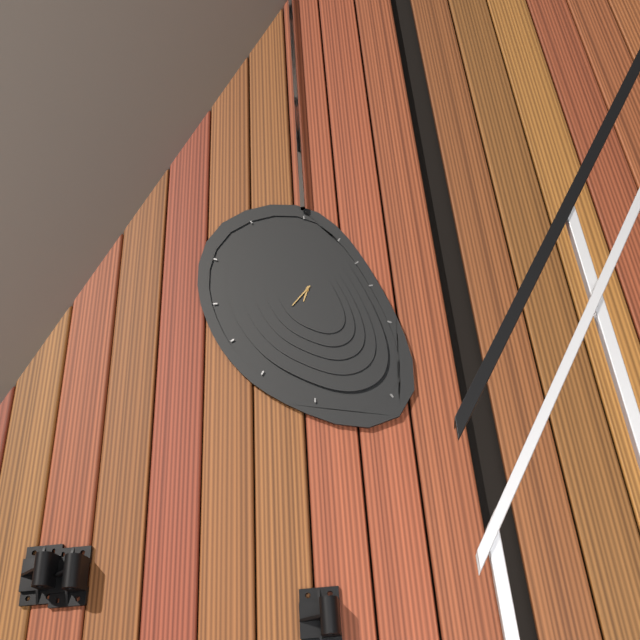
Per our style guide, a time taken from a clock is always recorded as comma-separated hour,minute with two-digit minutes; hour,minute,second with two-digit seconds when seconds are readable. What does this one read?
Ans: 6,37
